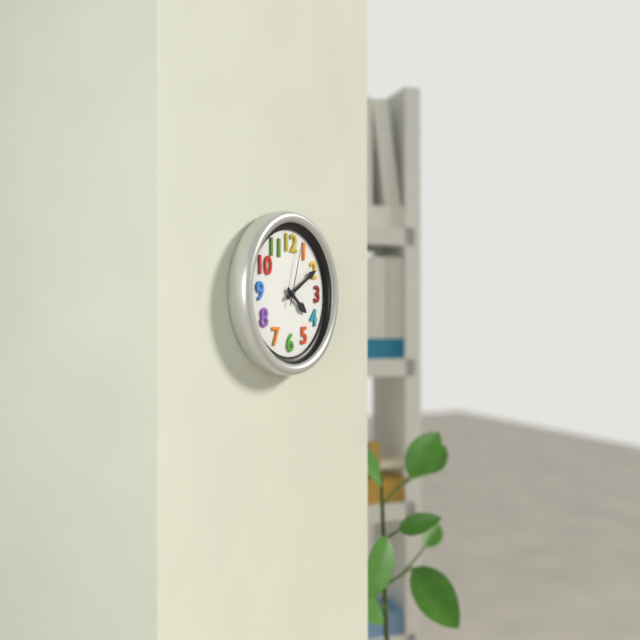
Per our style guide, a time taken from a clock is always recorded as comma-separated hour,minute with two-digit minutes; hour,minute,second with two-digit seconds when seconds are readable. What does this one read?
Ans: 4,10,03
